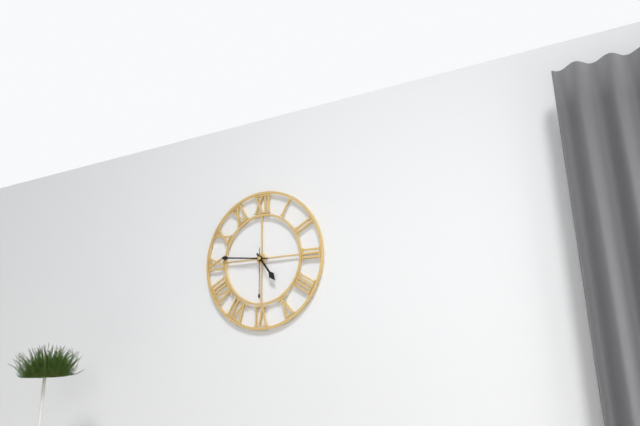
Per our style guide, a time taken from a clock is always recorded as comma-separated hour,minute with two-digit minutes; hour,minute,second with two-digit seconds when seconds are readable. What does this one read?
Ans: 4,46,30
